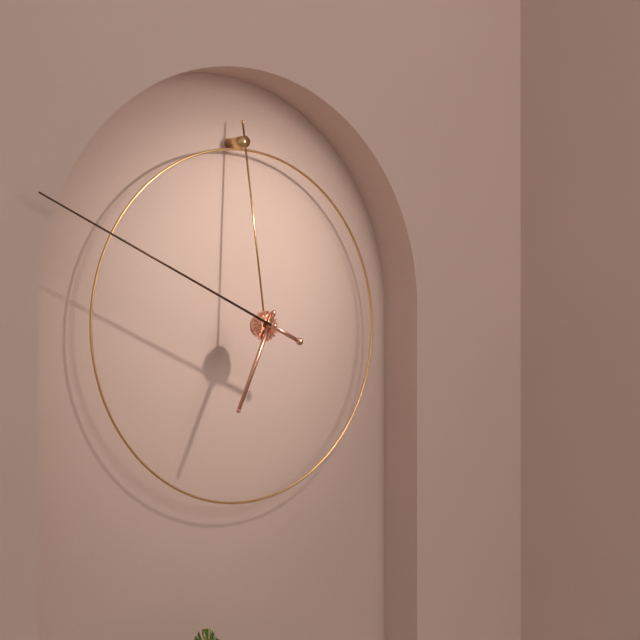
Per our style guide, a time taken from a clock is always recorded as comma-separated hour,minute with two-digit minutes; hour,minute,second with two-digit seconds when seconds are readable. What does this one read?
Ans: 6,49
